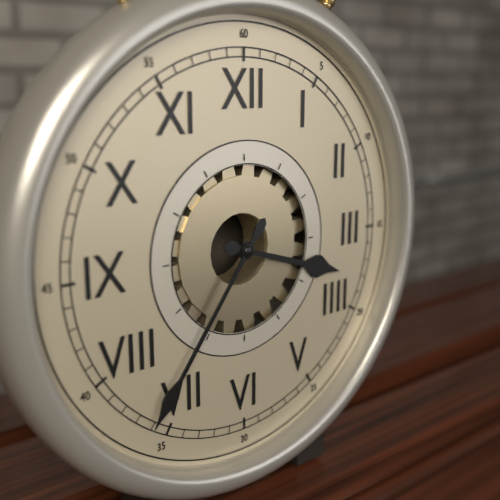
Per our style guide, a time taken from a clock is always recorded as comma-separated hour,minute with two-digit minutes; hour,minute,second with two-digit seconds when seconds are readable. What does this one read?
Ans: 3,36
